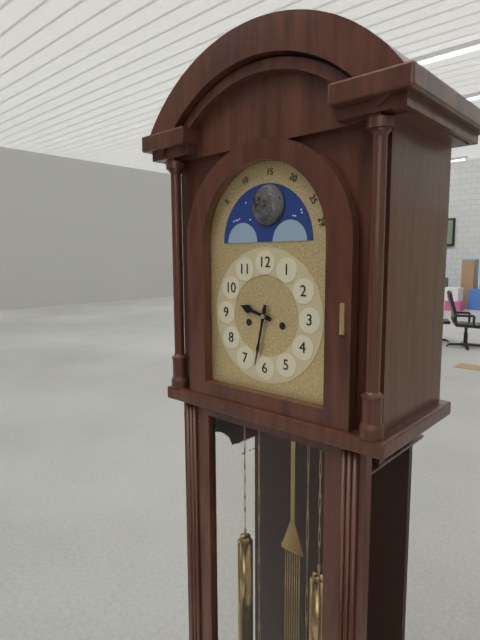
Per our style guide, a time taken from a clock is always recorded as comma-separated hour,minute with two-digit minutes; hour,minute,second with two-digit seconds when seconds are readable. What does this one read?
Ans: 9,32
